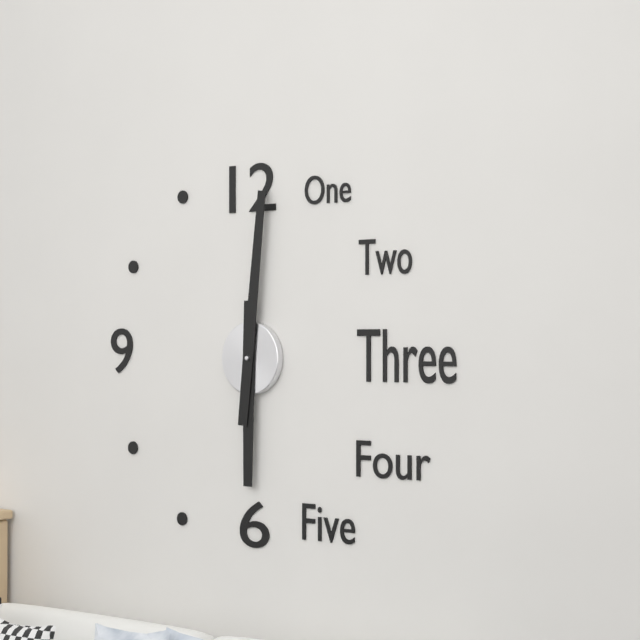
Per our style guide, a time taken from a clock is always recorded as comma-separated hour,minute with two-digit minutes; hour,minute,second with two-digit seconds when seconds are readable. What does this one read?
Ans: 6,01
